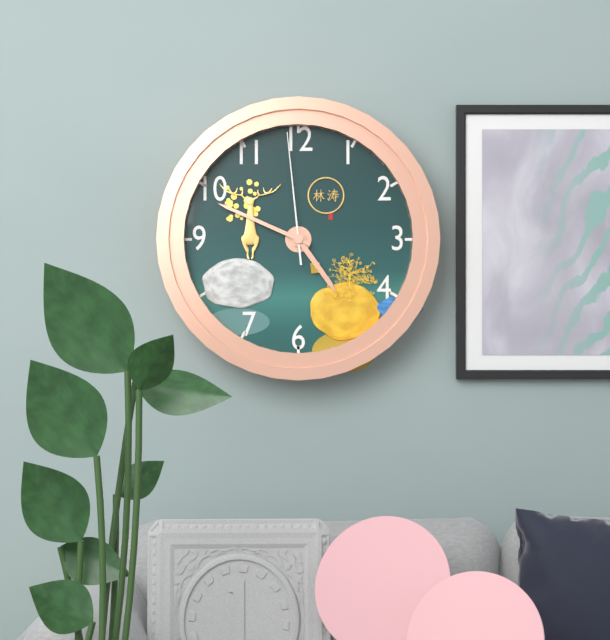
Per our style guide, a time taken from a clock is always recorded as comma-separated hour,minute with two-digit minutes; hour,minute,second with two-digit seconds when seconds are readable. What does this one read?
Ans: 4,49,59
